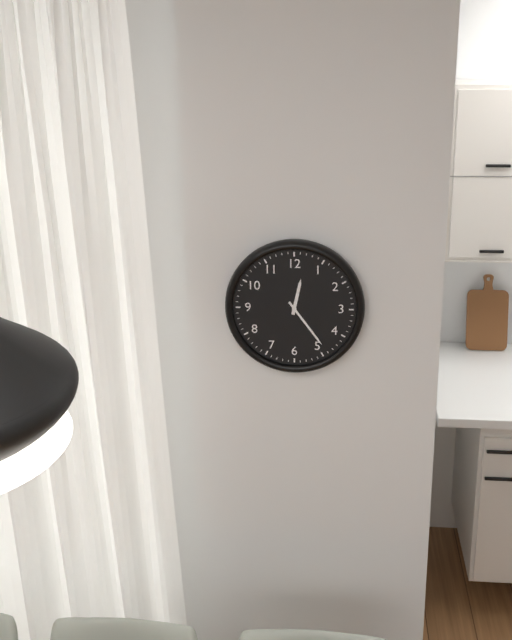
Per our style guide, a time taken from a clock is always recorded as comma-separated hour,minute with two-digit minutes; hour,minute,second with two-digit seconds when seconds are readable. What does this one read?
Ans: 12,24
